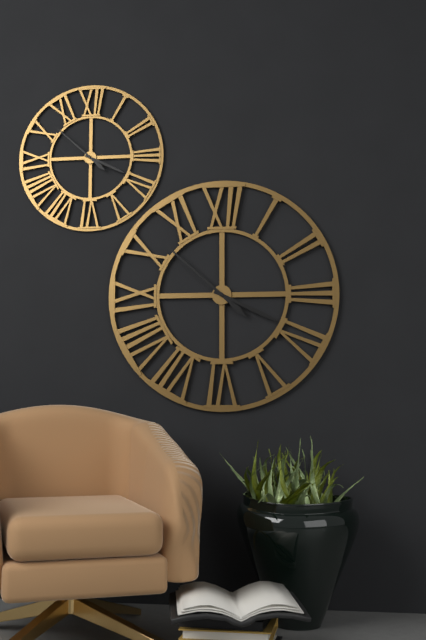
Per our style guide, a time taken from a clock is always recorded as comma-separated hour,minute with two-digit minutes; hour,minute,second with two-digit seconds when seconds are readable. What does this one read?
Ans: 3,52
